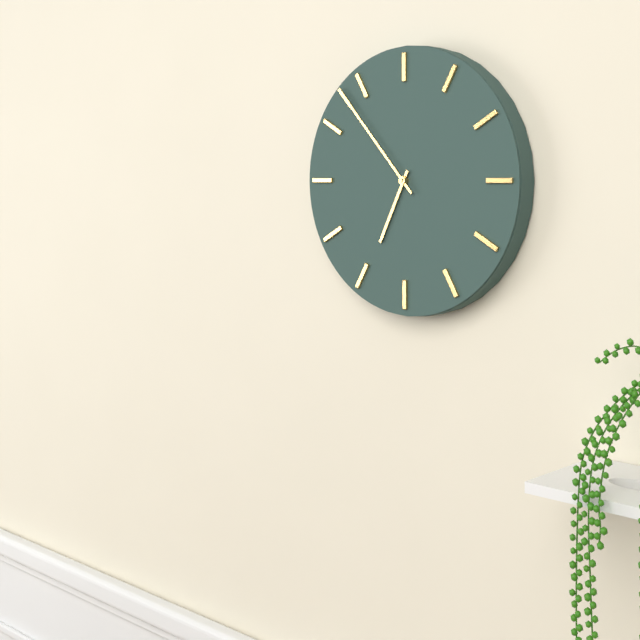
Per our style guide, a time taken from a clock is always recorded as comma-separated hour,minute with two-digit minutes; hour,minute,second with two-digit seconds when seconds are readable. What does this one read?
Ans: 6,53
